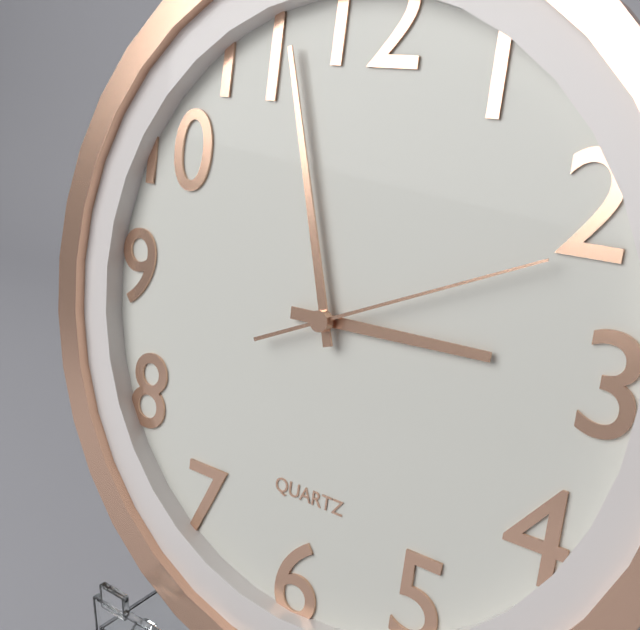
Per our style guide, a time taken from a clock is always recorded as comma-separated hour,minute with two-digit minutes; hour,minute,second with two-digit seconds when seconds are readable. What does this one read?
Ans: 2,57,11
